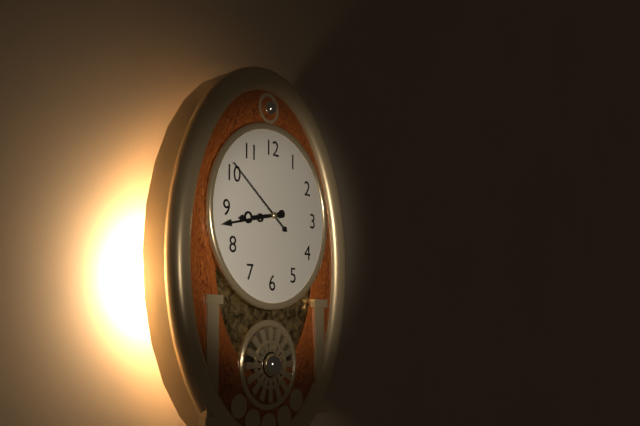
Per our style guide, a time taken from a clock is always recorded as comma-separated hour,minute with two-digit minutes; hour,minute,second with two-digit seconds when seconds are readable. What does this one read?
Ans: 8,43,51
